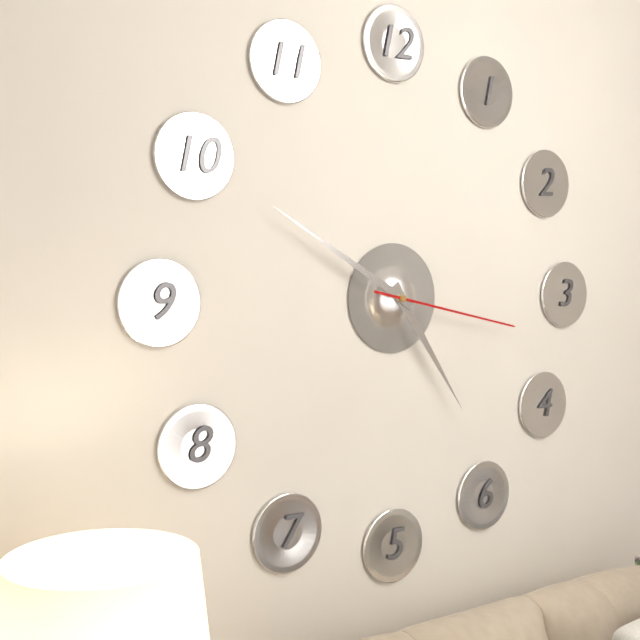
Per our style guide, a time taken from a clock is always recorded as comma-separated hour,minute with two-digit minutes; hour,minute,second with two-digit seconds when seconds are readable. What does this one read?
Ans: 4,50,17
